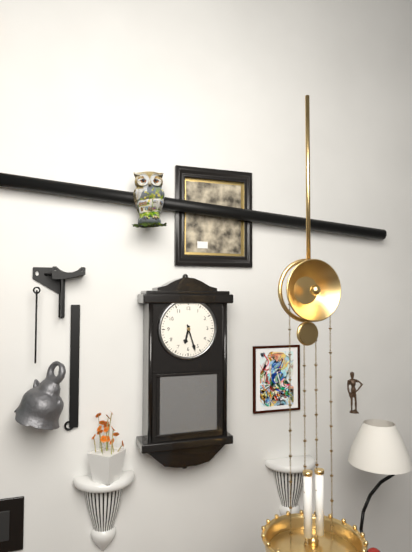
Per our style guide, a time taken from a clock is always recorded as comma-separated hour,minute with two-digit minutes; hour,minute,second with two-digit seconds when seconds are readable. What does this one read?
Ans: 6,27
